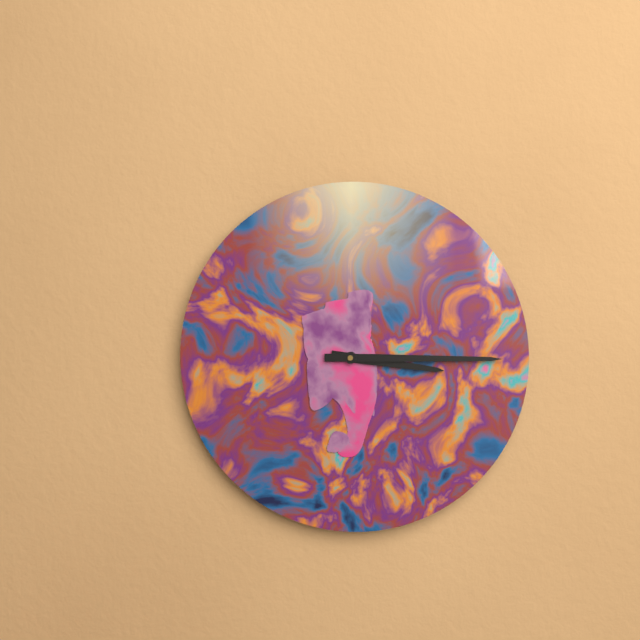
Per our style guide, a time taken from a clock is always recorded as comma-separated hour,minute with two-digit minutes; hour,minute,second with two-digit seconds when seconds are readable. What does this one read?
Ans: 3,15
